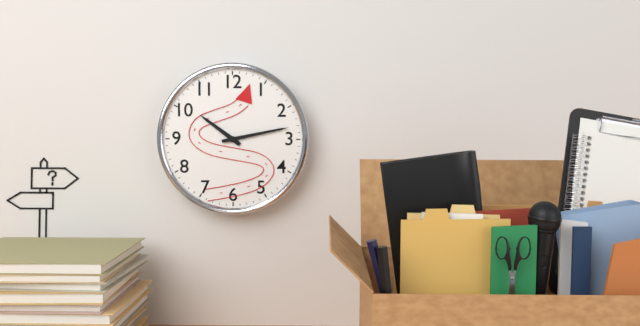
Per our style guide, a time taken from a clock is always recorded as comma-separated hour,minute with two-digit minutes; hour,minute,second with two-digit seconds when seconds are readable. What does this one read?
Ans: 10,13
